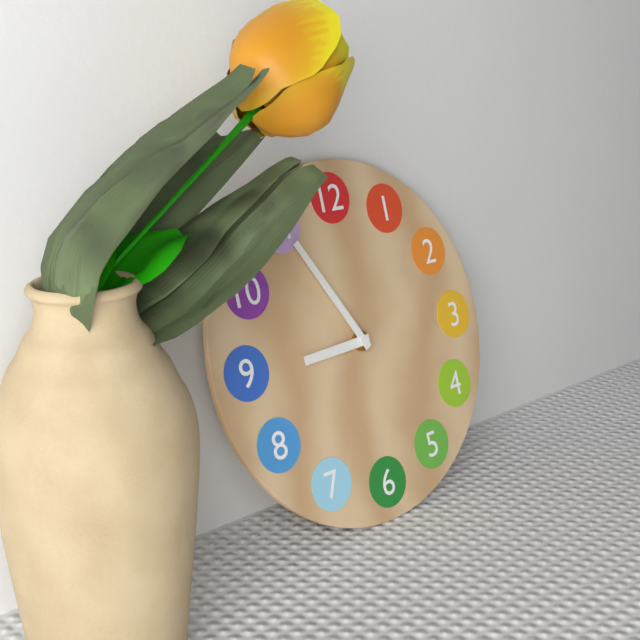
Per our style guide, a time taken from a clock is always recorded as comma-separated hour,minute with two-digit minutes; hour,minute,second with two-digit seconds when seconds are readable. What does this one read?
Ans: 8,55
